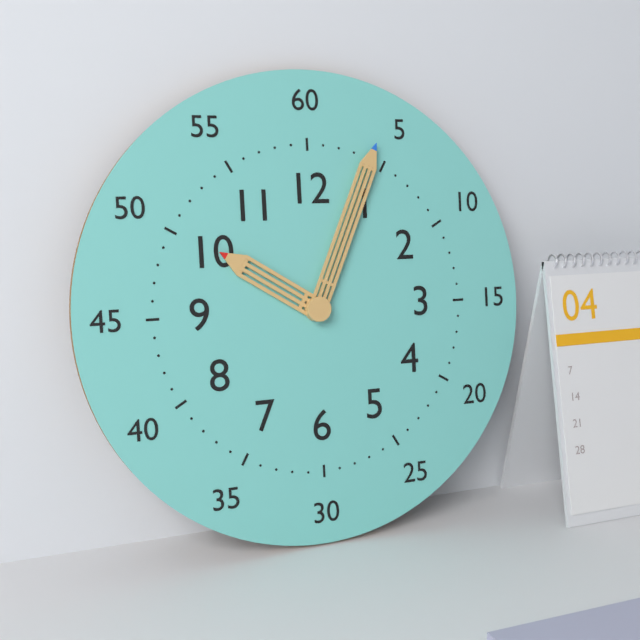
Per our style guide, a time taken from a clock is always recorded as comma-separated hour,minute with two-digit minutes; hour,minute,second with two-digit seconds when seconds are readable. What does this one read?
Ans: 10,04
